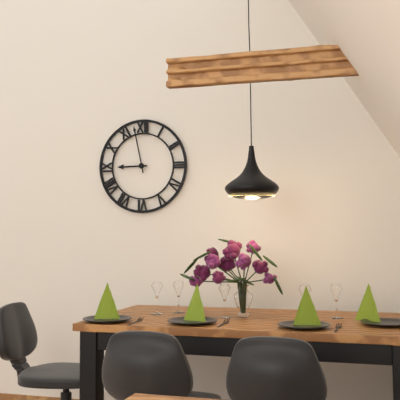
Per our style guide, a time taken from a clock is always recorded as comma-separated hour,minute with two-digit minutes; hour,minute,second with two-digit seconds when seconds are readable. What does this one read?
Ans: 8,58
